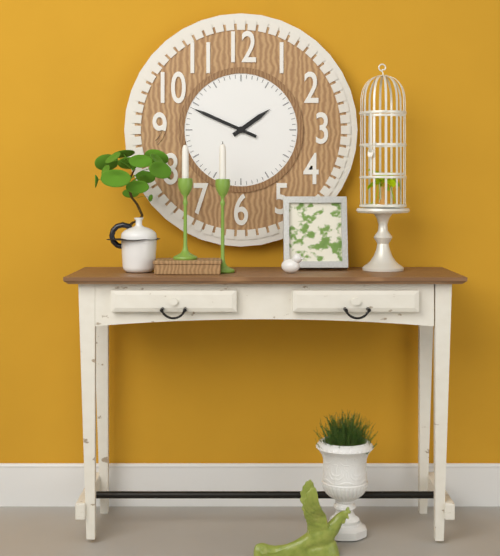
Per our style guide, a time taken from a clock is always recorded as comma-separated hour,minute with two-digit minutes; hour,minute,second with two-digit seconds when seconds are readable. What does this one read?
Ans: 1,49
